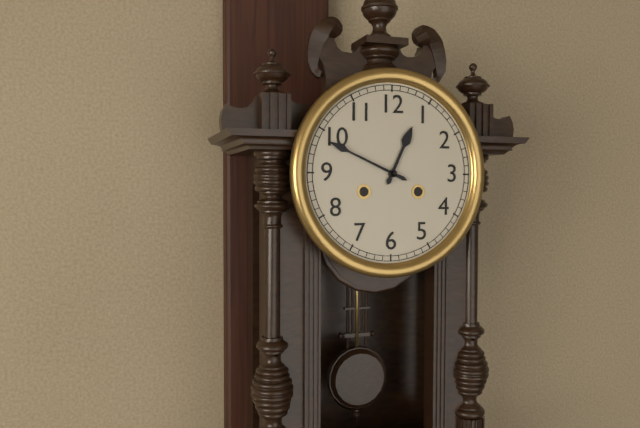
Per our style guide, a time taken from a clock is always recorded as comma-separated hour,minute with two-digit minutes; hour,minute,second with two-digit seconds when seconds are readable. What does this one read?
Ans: 12,49
